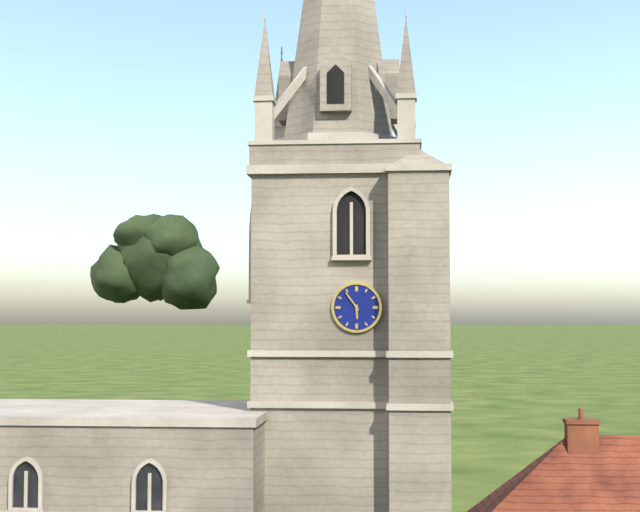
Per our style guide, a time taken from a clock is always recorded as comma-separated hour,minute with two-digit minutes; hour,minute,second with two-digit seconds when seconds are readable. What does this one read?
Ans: 5,54
